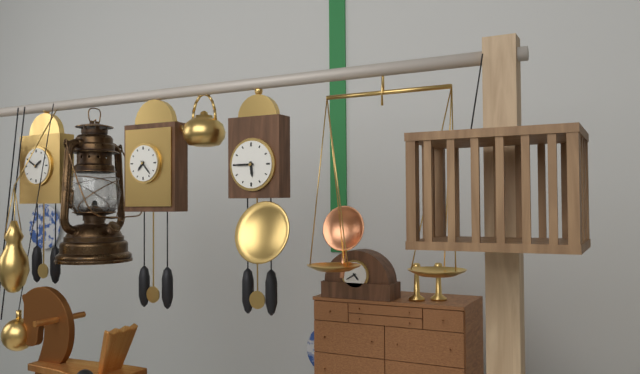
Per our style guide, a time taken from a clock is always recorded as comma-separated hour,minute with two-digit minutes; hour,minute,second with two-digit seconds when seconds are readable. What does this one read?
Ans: 5,45
